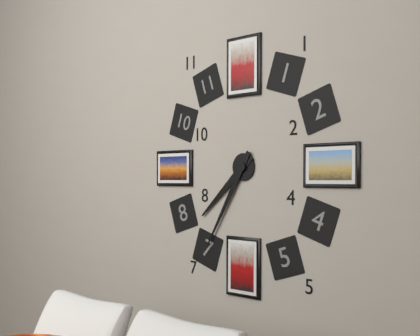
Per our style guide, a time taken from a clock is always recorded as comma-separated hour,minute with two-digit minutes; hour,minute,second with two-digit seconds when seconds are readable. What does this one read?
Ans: 7,35
